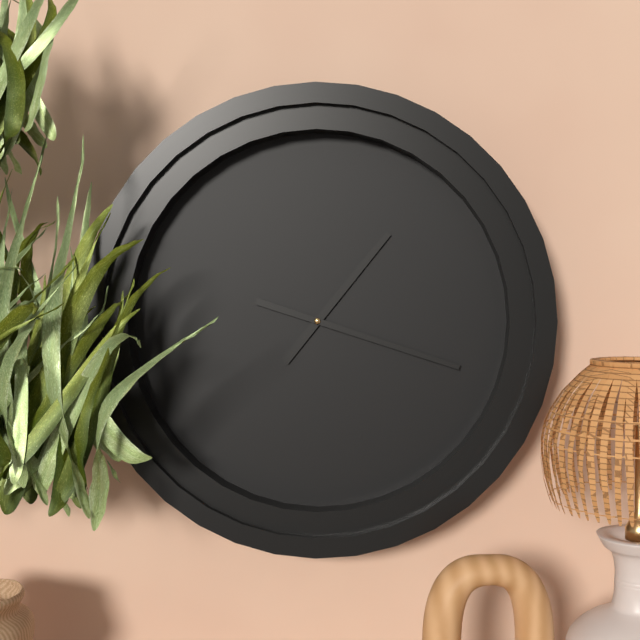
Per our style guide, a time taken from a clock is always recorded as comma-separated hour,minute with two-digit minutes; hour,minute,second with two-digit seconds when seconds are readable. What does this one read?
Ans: 1,18
